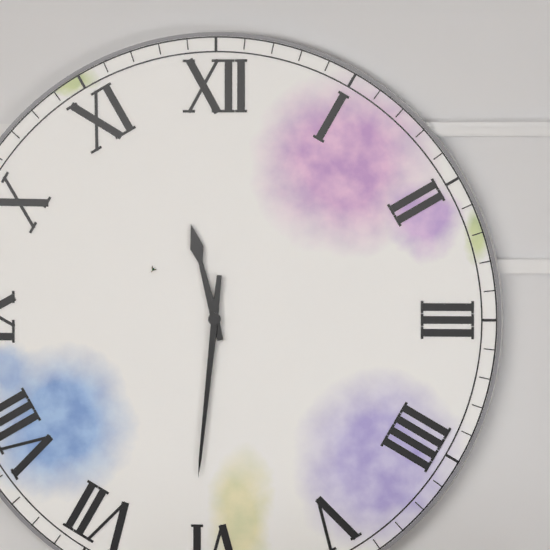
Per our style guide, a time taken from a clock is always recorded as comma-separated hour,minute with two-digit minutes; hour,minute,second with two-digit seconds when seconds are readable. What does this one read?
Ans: 11,31
